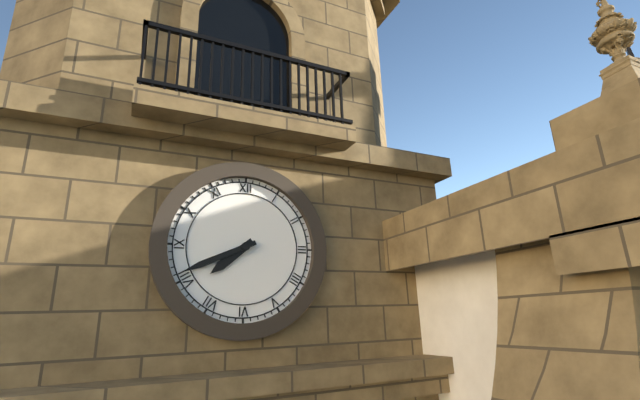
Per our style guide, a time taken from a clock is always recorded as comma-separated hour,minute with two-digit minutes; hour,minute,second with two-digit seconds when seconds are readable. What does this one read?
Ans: 7,41
